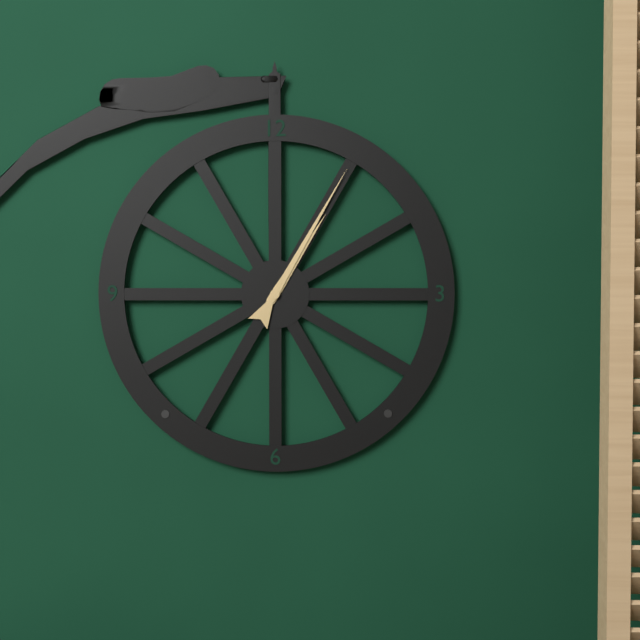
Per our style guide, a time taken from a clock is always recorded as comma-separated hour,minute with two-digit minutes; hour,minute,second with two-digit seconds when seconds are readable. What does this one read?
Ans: 1,05
